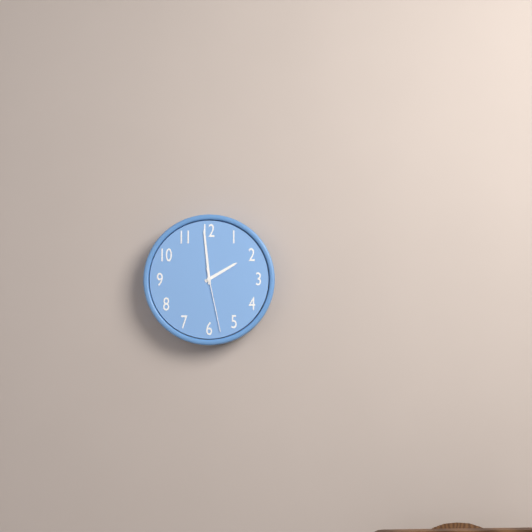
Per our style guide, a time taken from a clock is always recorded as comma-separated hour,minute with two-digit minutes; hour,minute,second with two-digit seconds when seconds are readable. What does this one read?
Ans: 1,59,28
